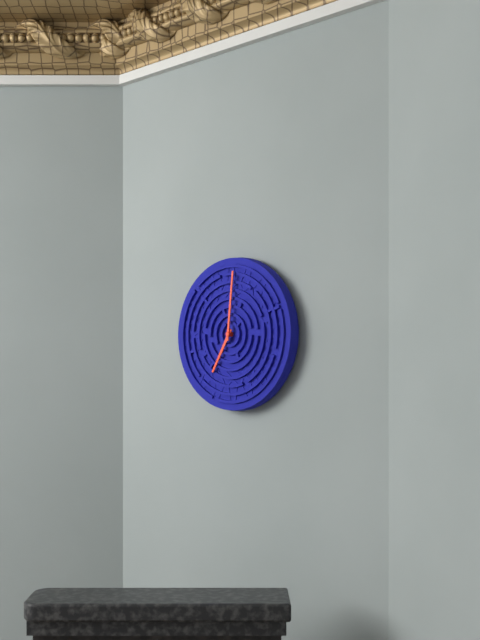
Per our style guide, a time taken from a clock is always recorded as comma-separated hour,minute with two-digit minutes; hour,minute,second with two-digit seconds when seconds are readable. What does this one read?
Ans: 7,01
